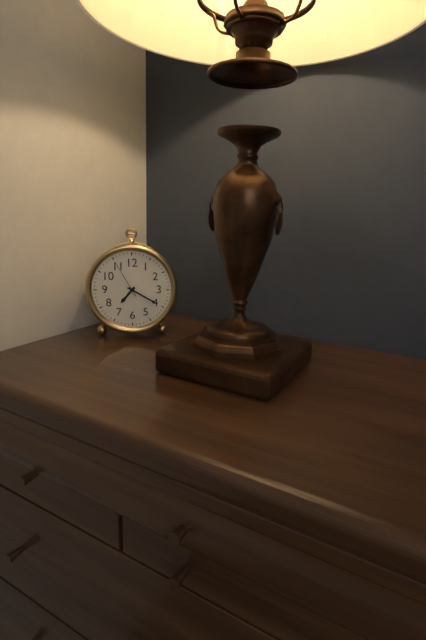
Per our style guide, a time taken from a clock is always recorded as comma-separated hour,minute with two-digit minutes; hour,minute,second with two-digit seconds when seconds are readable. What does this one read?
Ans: 7,20
